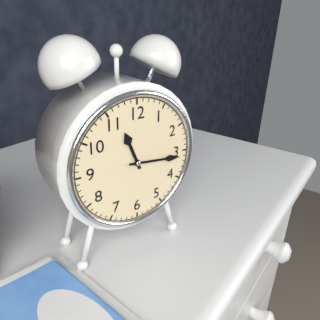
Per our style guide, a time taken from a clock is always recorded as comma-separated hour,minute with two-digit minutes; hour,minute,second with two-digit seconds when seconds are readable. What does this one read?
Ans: 11,16
